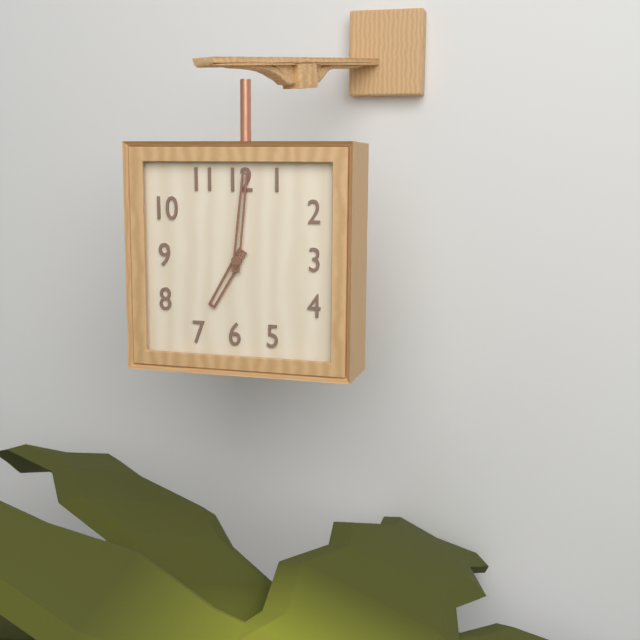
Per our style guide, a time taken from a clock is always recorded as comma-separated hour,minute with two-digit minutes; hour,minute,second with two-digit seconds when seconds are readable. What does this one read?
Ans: 7,01
